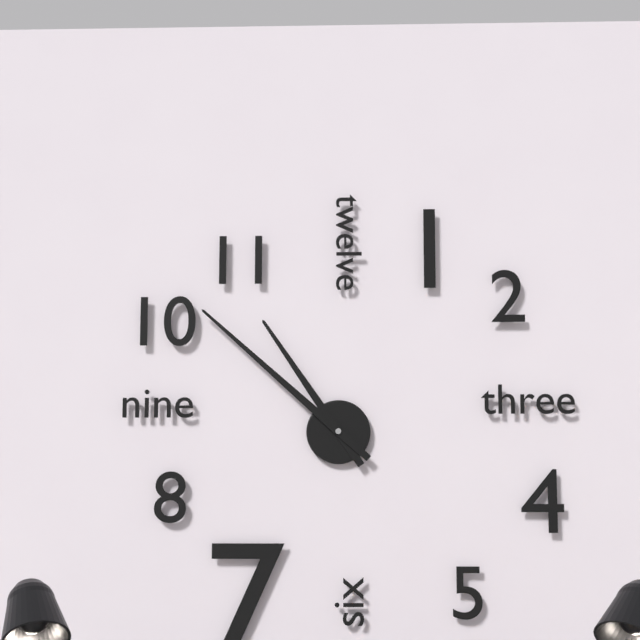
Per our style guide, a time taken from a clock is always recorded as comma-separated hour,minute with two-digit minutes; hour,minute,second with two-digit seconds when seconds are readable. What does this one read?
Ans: 10,52
